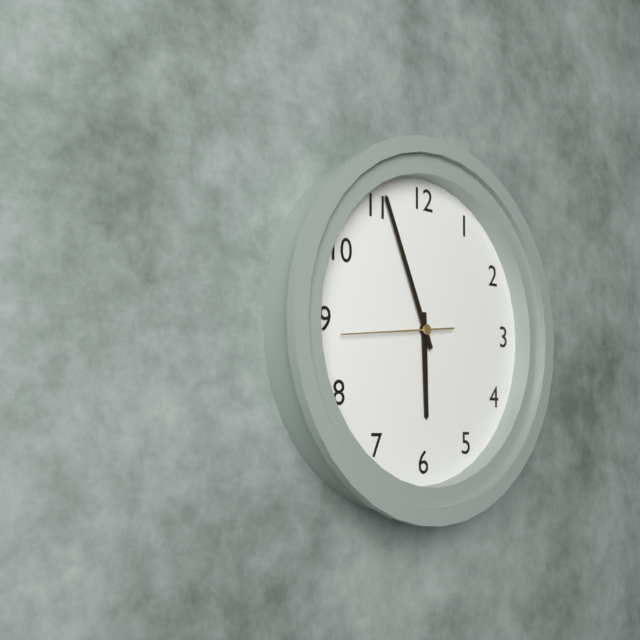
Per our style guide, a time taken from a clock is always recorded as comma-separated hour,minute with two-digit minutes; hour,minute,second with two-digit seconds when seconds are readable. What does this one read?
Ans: 5,56,44
